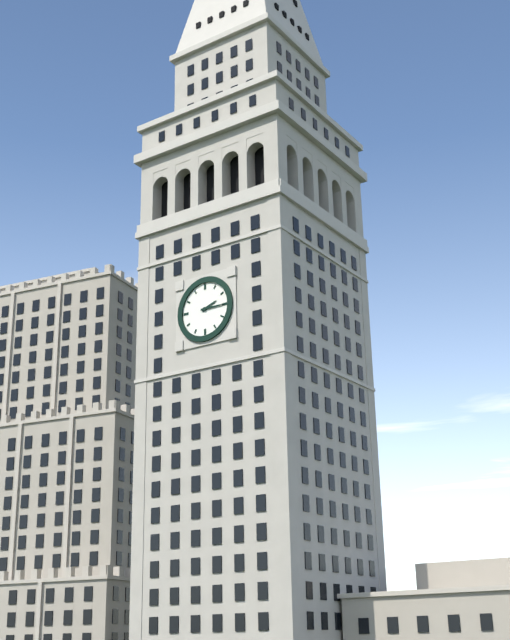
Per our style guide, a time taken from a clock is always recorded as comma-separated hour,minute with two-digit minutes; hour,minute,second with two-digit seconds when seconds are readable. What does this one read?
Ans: 2,15
